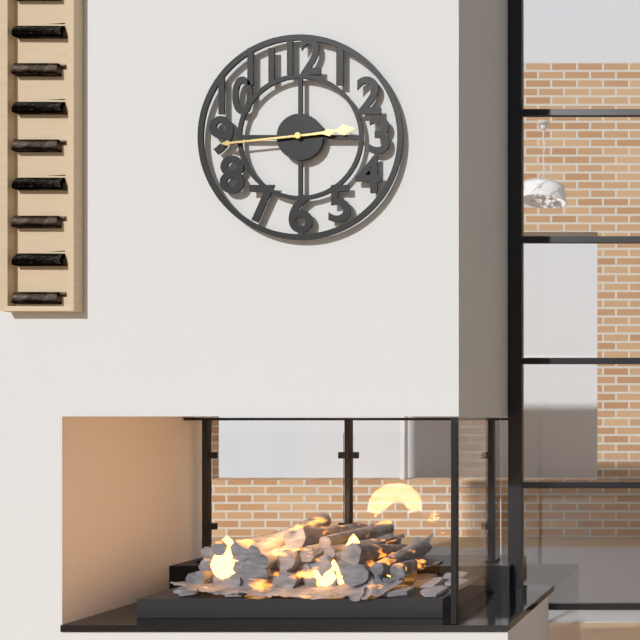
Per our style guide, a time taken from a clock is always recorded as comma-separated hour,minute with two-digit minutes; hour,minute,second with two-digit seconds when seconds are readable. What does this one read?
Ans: 2,44
